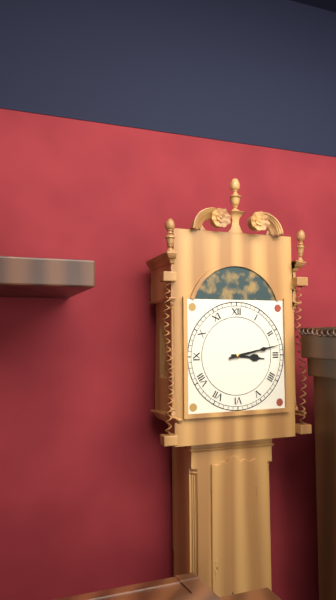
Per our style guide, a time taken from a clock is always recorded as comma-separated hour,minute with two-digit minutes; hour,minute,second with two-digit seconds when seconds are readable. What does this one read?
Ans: 3,13
